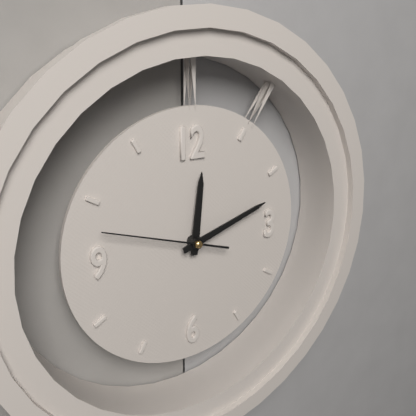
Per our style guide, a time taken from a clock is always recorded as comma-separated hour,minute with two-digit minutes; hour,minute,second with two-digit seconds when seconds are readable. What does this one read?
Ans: 12,12,48
